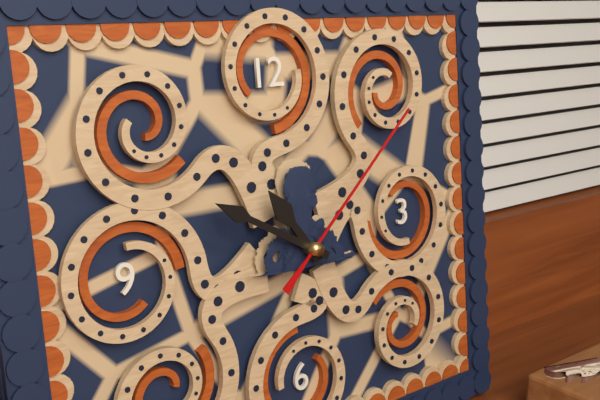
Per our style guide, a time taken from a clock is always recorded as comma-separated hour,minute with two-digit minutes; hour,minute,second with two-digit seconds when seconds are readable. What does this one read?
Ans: 10,50,08
